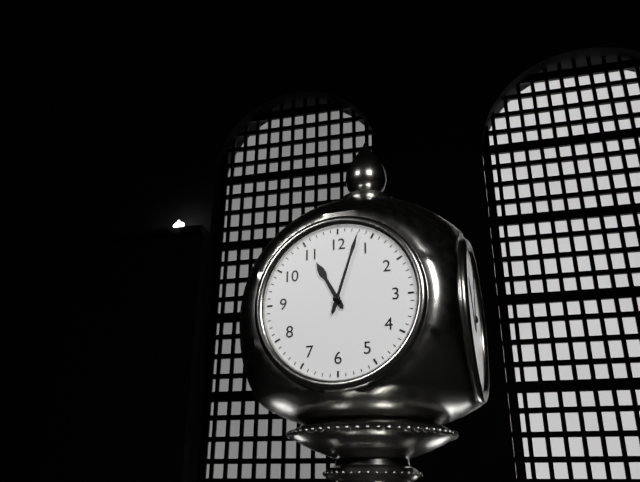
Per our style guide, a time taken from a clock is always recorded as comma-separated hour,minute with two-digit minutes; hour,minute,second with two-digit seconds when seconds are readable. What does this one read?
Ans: 11,03
